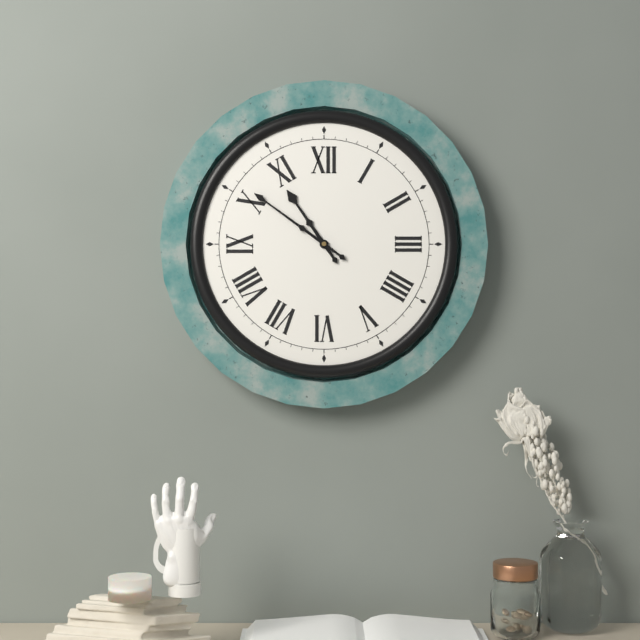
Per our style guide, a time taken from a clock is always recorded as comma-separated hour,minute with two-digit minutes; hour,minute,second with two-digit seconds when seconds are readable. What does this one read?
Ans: 10,51
